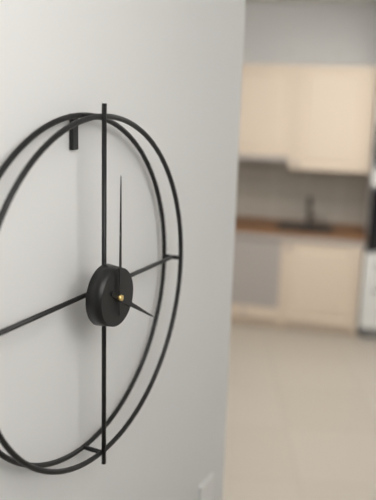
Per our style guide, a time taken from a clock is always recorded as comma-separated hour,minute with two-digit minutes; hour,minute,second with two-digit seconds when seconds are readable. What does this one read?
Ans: 4,00
